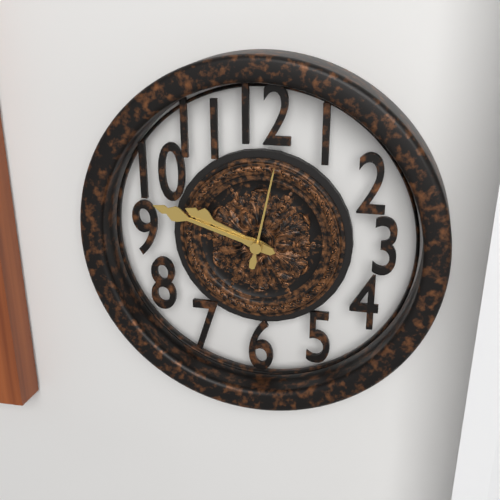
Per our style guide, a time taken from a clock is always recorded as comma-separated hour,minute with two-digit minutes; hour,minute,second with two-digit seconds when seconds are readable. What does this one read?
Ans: 9,48,02
